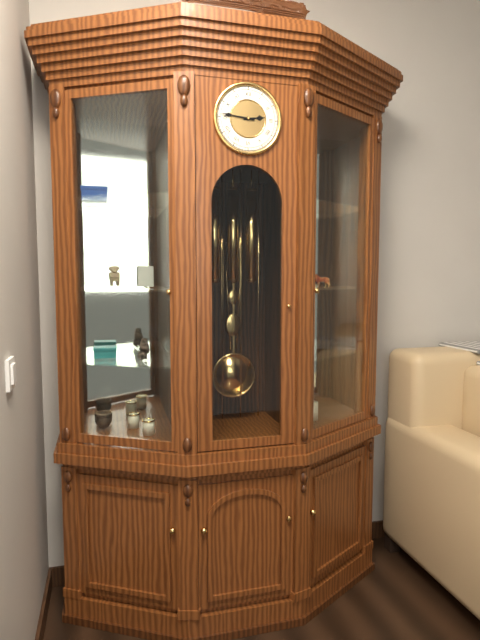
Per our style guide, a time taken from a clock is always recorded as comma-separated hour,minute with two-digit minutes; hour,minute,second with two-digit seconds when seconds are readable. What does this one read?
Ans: 2,46
